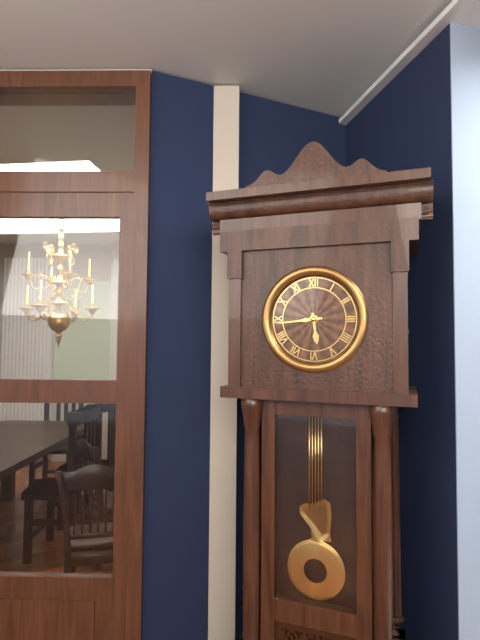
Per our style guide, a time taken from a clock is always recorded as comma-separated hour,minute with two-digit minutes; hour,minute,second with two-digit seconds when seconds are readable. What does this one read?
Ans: 5,44
